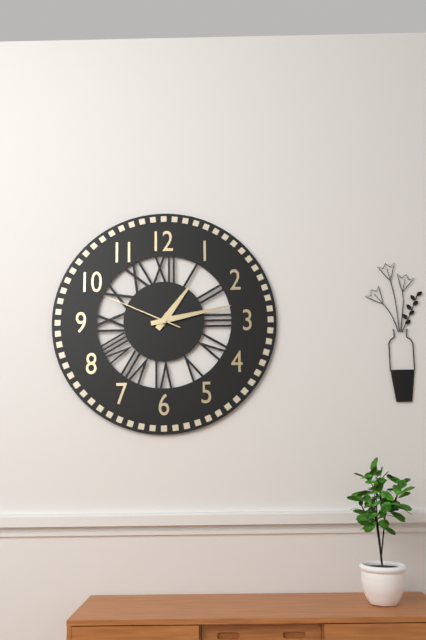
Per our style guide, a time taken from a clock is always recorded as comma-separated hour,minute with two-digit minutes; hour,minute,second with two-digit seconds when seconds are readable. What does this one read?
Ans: 1,13,49
